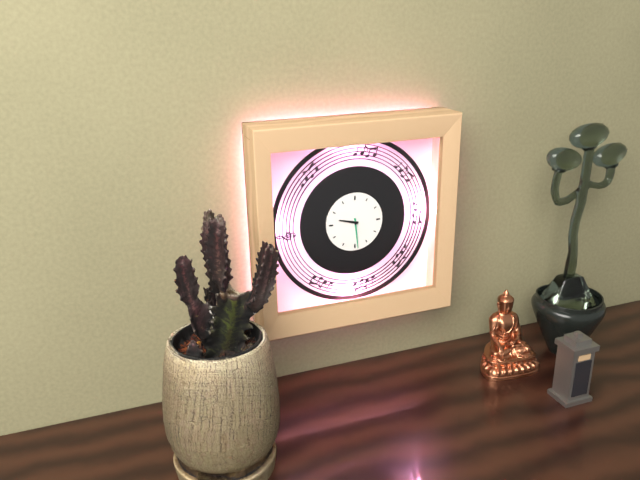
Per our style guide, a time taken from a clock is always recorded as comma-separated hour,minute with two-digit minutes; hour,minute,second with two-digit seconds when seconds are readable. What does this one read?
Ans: 9,29
